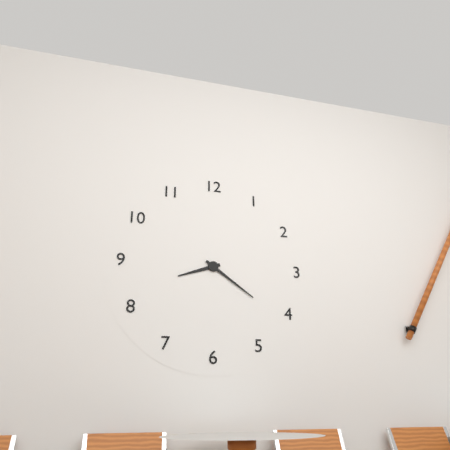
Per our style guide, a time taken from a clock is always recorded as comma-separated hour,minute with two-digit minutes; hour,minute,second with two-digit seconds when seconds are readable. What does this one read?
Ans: 8,21
